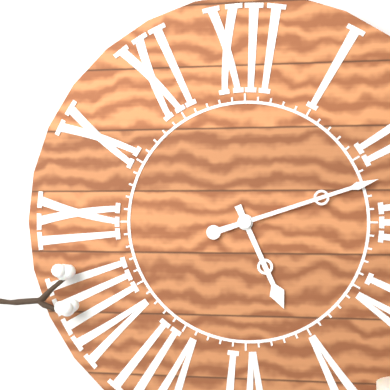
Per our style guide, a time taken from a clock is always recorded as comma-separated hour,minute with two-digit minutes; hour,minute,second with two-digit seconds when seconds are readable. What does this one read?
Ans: 5,12
